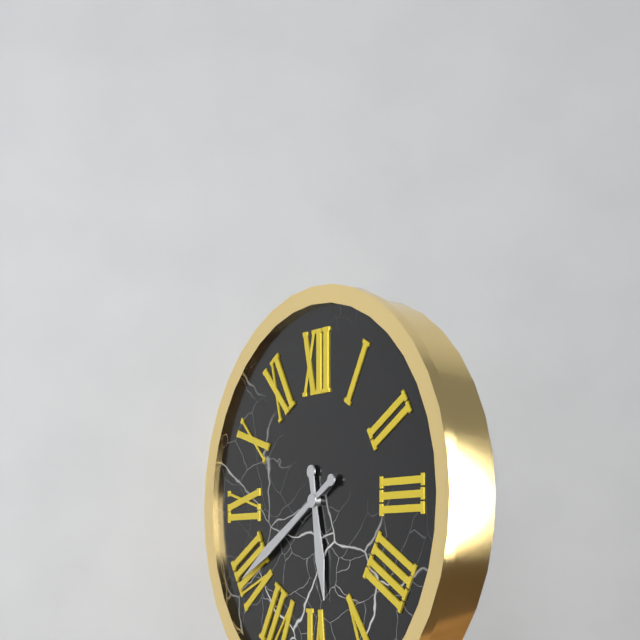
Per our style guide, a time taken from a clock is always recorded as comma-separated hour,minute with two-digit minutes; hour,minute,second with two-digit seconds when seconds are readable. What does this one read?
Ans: 5,40
